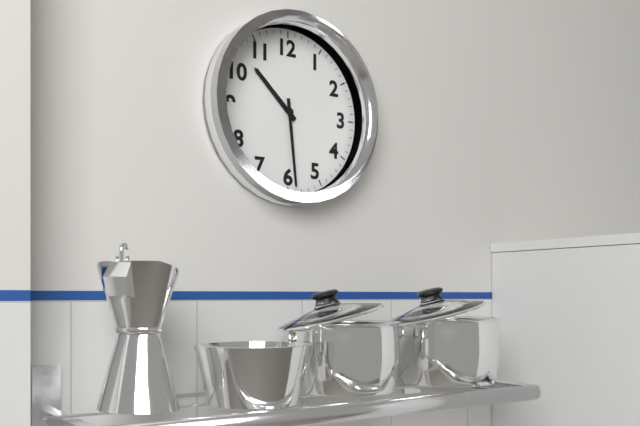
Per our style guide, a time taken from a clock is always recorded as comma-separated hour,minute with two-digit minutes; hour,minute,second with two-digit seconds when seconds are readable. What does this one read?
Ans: 10,29
